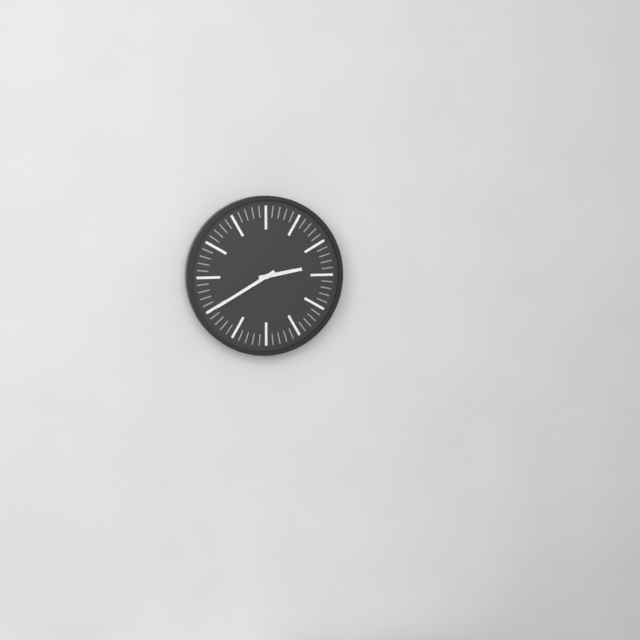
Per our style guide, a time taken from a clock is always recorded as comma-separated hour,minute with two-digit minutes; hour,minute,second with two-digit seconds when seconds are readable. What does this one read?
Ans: 2,40
